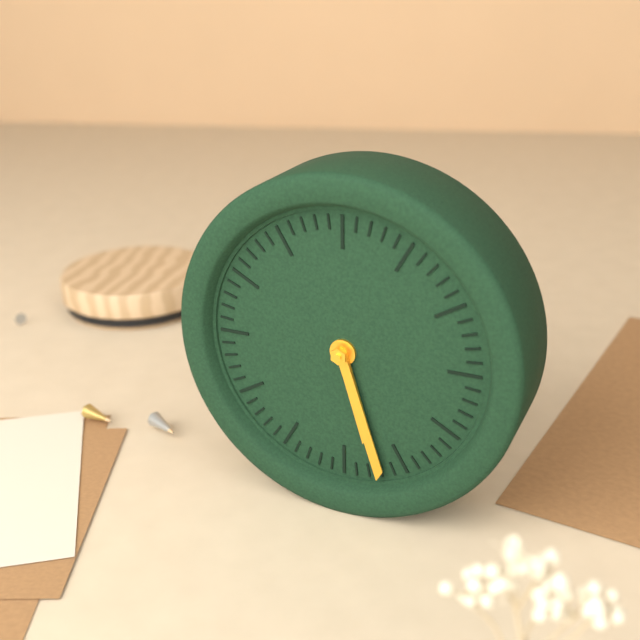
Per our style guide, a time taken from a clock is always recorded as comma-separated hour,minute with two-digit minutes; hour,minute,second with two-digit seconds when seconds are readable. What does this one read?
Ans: 5,27
